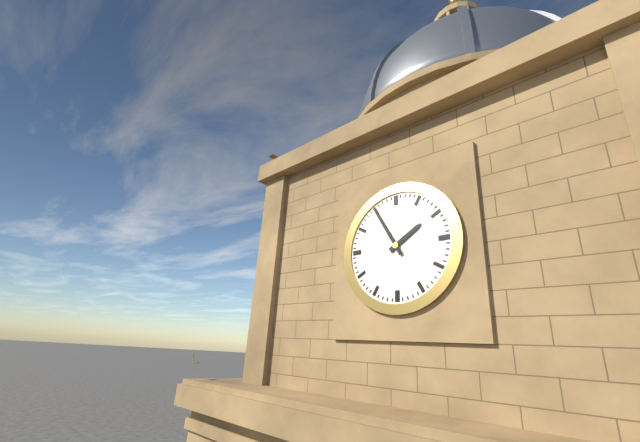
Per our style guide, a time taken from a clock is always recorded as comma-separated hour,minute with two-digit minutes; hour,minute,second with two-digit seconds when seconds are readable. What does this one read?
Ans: 1,55
